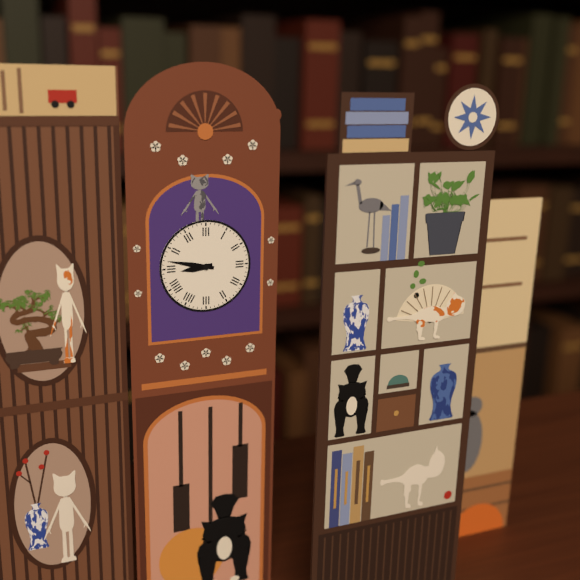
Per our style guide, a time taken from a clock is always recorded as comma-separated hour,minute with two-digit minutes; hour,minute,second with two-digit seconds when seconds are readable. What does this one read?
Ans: 8,47
